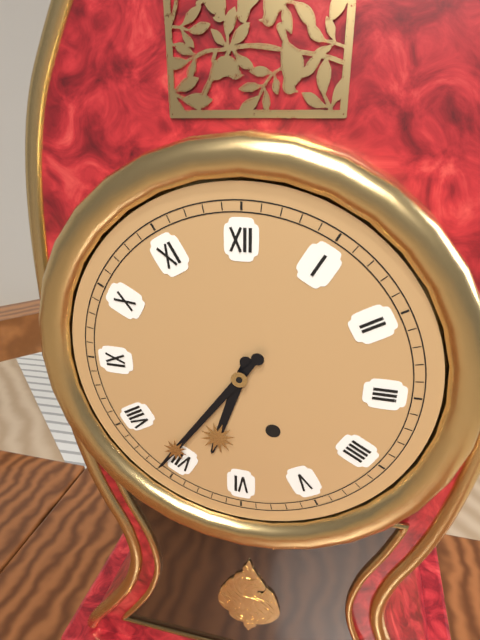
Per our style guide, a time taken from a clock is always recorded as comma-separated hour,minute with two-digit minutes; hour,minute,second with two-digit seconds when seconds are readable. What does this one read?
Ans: 6,36
